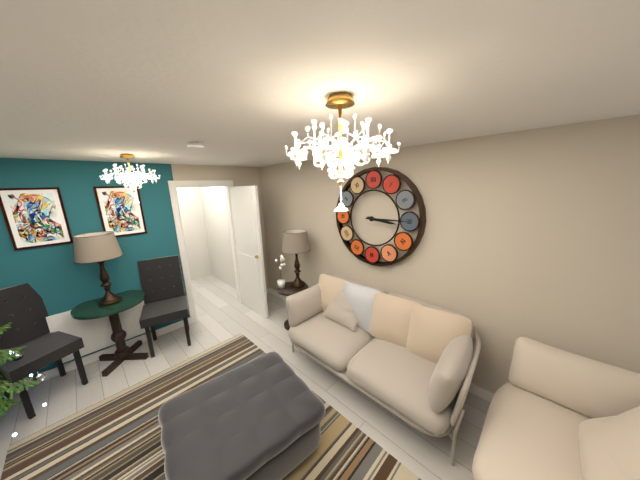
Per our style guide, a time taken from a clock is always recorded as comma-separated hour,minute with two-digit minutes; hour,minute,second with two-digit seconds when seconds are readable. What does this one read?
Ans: 3,15
